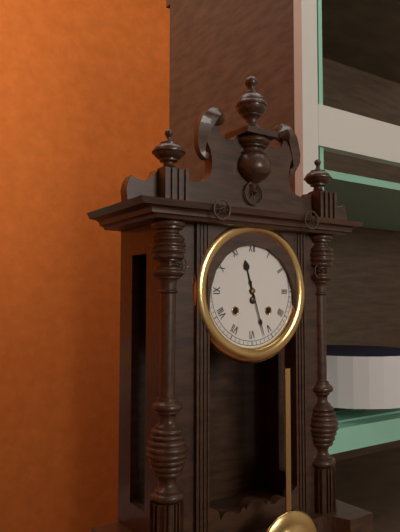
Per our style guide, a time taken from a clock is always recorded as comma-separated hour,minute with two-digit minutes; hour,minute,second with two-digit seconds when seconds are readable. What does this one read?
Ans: 11,27
